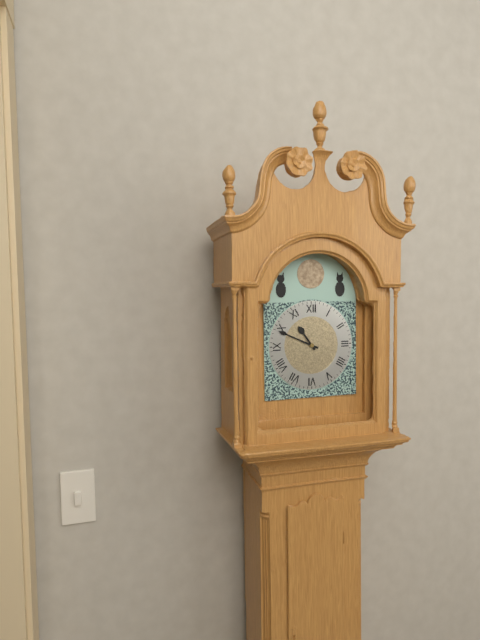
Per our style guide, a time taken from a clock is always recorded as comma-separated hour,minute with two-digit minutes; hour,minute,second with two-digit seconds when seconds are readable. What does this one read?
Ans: 10,49
